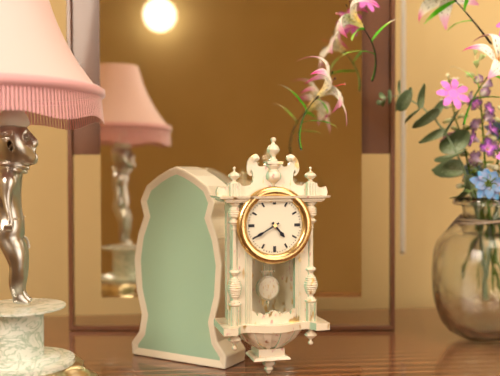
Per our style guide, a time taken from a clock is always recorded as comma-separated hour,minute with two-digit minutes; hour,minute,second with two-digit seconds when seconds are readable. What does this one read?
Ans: 4,40
